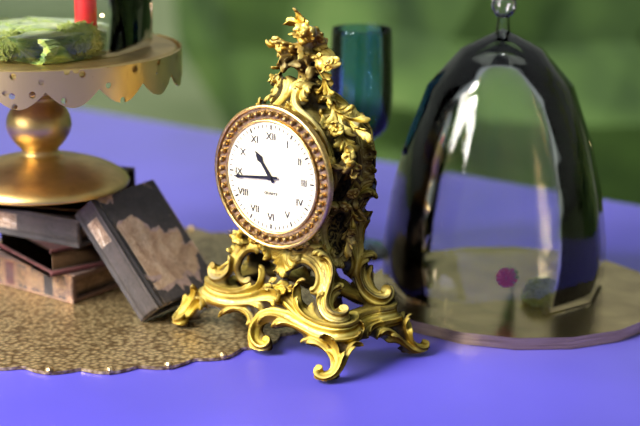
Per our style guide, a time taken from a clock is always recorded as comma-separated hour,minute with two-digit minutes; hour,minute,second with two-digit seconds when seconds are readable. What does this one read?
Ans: 10,44
